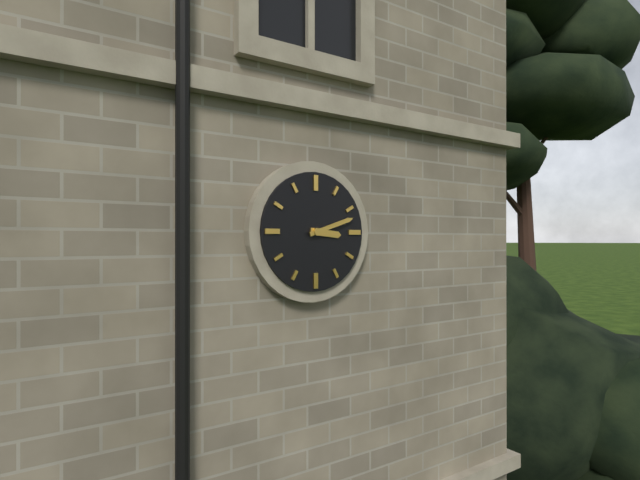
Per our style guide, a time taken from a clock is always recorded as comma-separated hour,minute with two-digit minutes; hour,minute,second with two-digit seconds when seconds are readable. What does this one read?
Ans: 3,12
